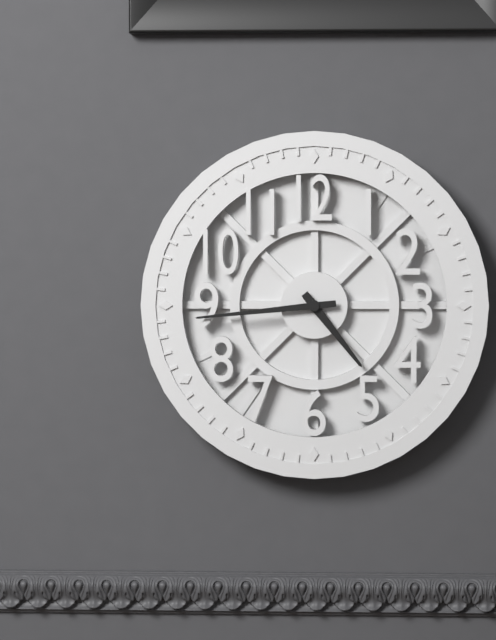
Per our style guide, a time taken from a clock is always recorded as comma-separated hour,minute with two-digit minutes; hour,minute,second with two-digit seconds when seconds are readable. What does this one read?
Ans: 4,44
